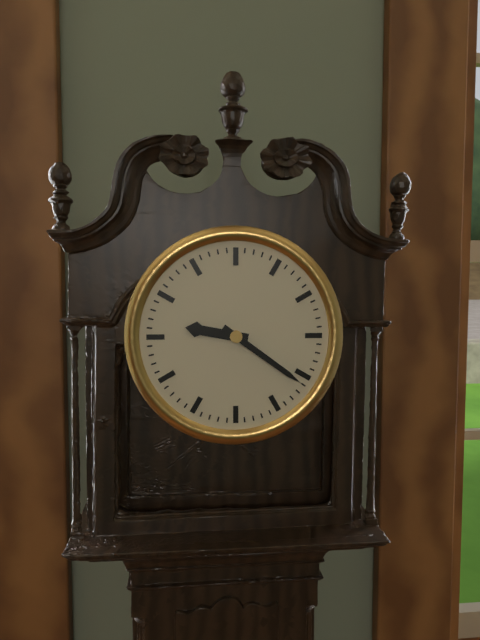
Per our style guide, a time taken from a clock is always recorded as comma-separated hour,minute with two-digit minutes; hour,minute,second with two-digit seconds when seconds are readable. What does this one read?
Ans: 9,21
